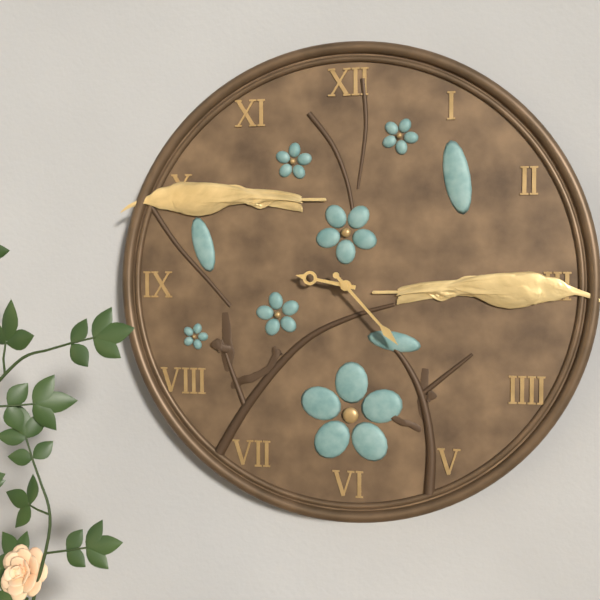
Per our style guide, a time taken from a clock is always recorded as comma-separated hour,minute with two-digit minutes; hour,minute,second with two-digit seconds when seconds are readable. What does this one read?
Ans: 9,23
